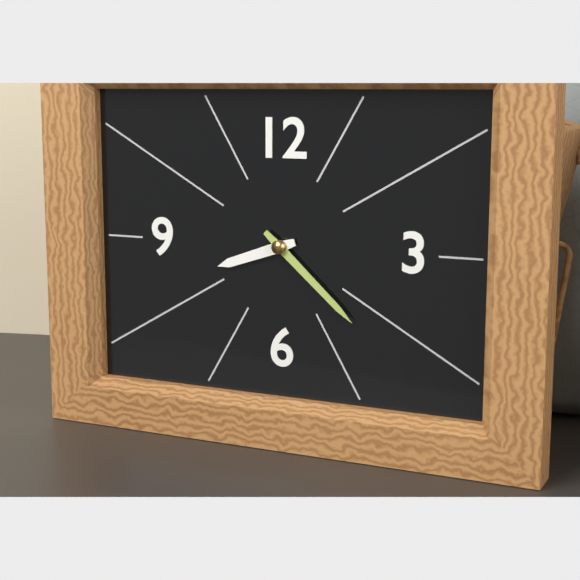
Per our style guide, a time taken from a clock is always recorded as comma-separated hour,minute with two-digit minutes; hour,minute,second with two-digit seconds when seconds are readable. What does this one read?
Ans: 8,22
